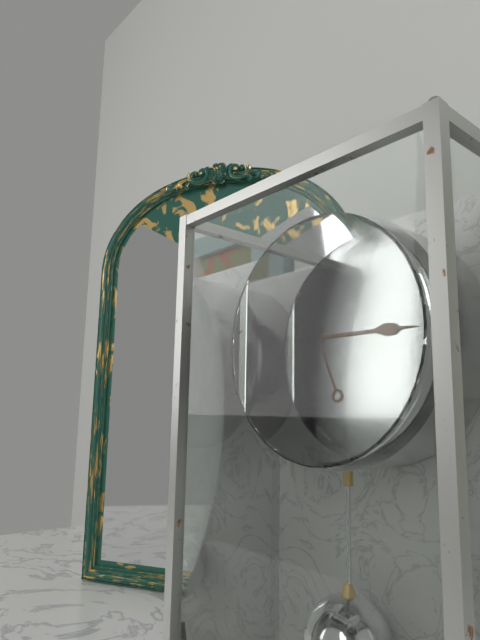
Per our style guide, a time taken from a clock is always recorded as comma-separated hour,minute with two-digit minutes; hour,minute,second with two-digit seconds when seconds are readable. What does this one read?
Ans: 11,15
